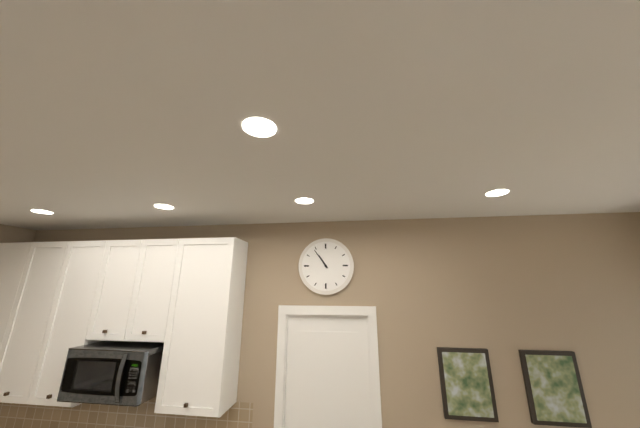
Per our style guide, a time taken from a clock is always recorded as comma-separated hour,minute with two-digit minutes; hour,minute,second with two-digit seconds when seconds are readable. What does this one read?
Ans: 10,54
